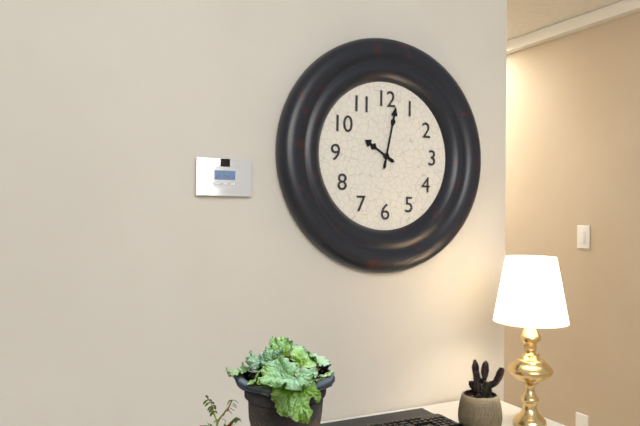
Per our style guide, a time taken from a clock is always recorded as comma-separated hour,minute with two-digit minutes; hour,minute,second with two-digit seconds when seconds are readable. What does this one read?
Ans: 10,02
